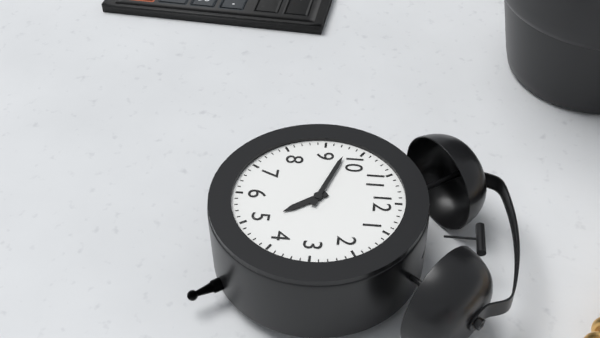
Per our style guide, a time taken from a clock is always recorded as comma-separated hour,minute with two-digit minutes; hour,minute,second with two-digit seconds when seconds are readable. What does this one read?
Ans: 4,48
